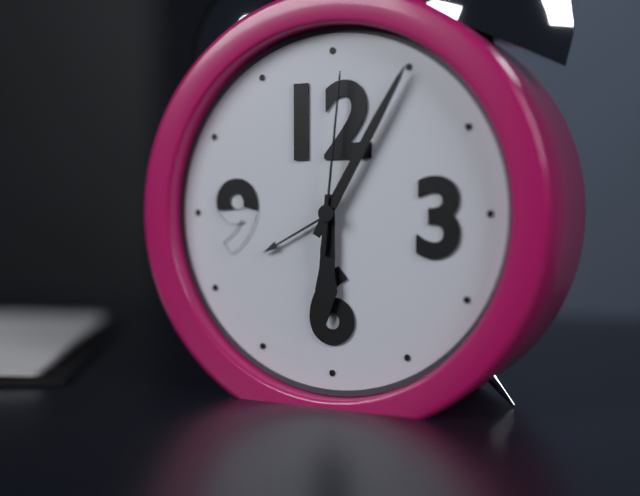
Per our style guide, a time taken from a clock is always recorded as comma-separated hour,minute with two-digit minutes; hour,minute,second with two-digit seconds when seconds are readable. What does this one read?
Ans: 6,05,01
